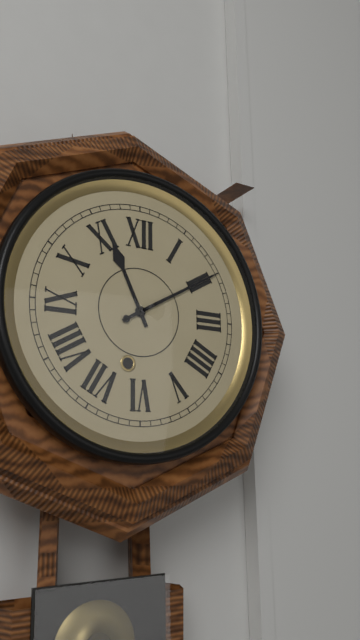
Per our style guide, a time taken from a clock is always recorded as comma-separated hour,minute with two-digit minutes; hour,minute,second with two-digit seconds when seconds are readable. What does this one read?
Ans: 11,10
